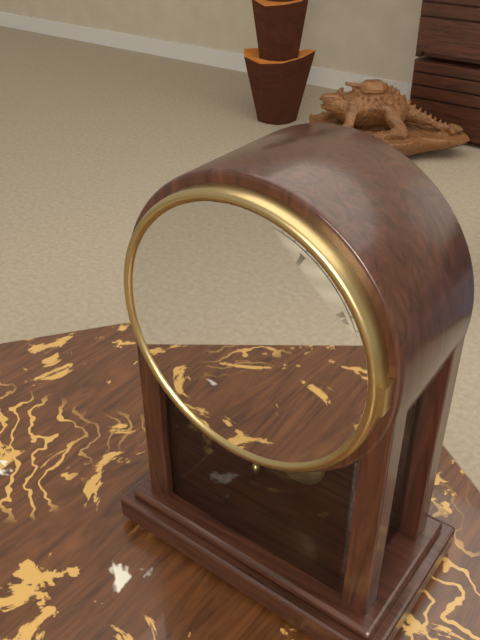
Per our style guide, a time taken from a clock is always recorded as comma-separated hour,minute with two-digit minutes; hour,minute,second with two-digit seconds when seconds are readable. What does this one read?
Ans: 3,31
